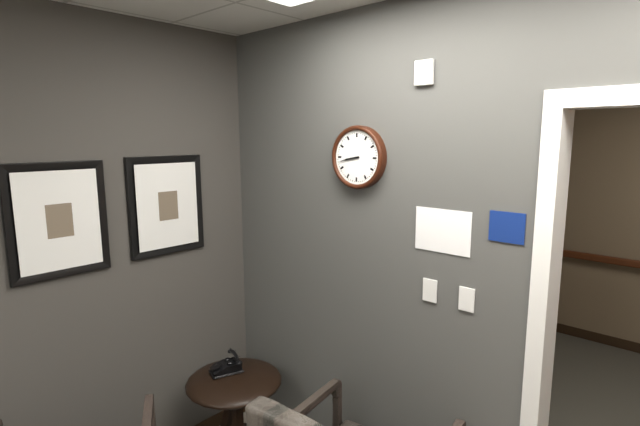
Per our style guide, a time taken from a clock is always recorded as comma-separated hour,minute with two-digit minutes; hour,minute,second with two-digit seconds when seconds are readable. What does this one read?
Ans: 8,43
